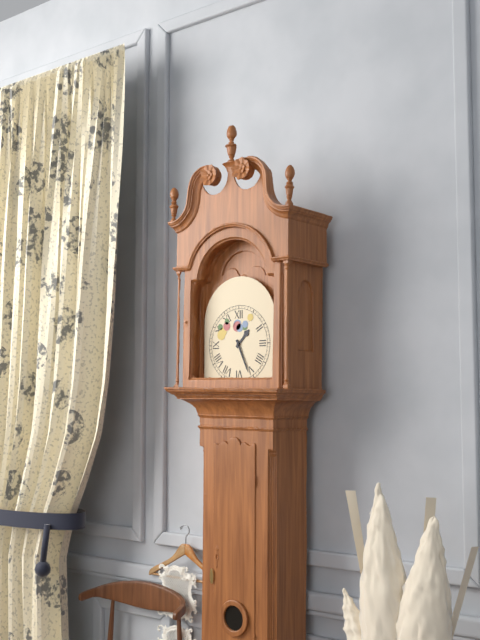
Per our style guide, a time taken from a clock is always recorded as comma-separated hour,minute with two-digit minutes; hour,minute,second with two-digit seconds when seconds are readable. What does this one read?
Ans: 1,26
